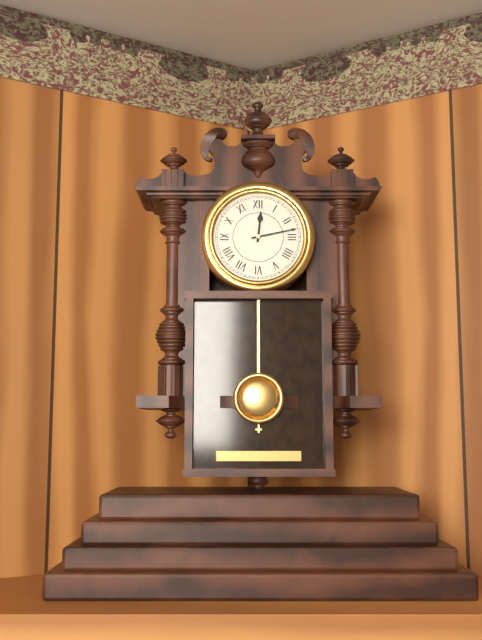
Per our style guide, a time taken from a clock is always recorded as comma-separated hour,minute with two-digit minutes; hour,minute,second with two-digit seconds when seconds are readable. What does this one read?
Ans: 12,13
